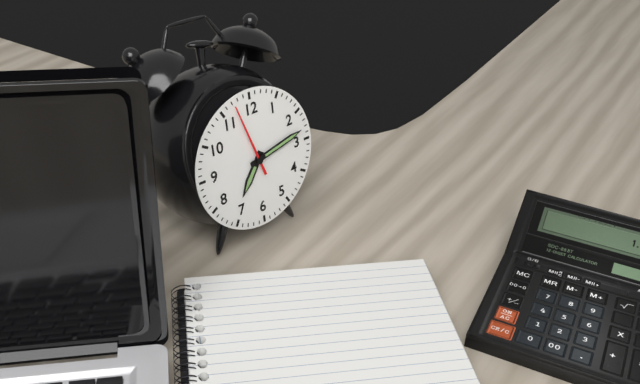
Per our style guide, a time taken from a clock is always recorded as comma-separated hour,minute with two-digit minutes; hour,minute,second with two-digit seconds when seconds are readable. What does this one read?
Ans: 7,13,57
